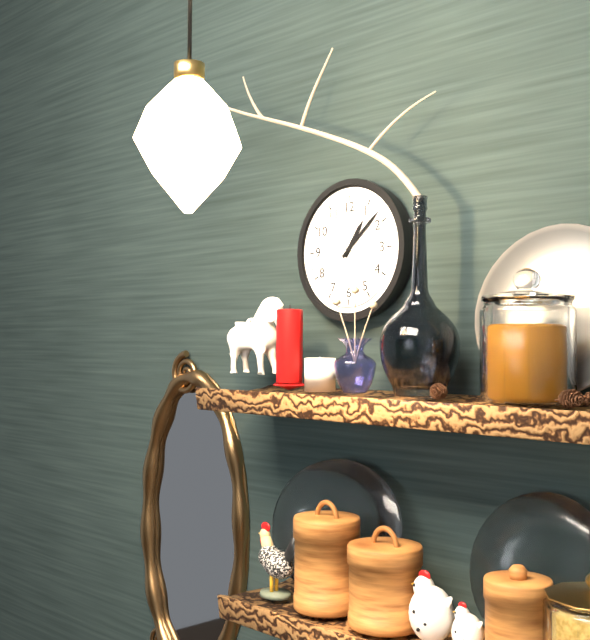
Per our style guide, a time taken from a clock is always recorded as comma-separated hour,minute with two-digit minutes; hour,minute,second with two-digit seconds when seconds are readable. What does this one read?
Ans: 1,08
